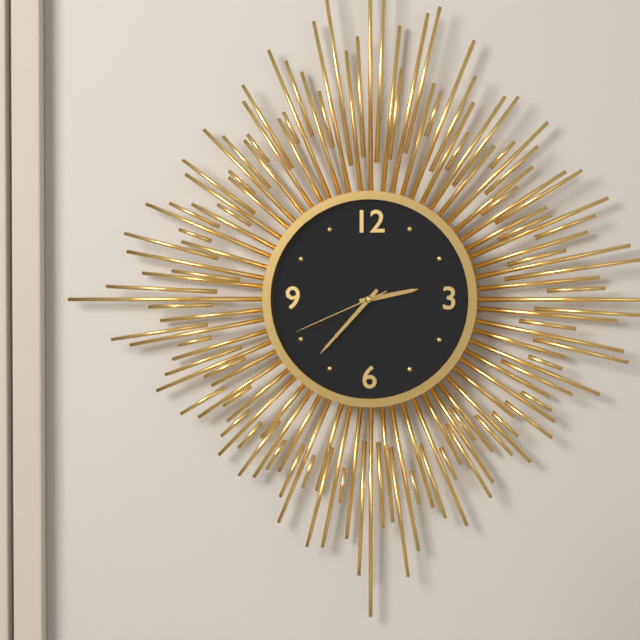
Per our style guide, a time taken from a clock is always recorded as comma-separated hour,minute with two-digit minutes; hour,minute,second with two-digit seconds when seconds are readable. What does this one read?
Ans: 2,37,41
